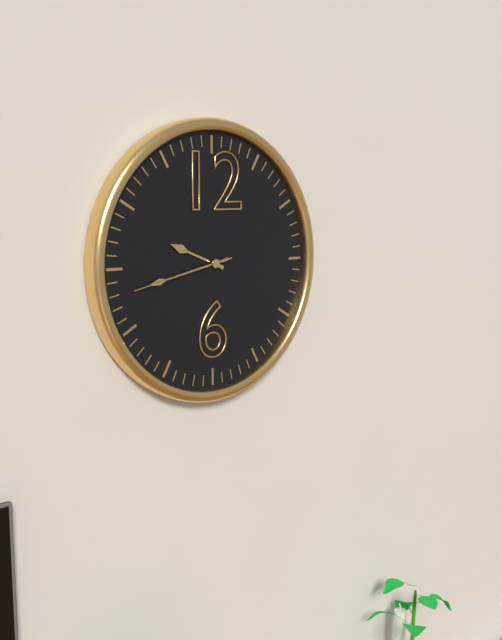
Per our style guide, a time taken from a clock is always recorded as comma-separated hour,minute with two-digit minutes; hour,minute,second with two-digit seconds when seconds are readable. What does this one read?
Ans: 9,43,43
